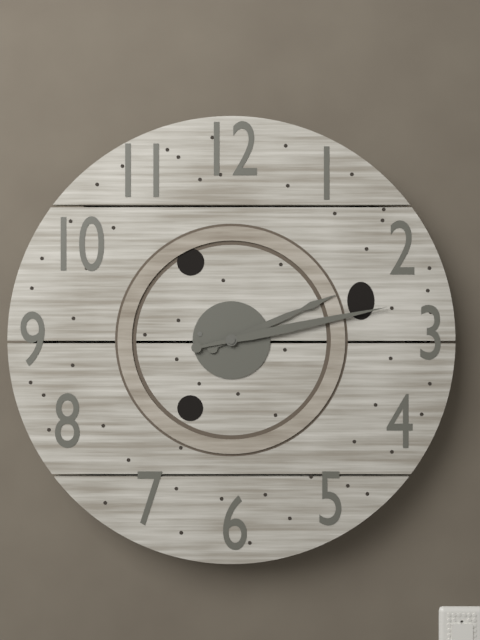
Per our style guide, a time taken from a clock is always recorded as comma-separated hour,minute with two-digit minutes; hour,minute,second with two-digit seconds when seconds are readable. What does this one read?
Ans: 2,13
